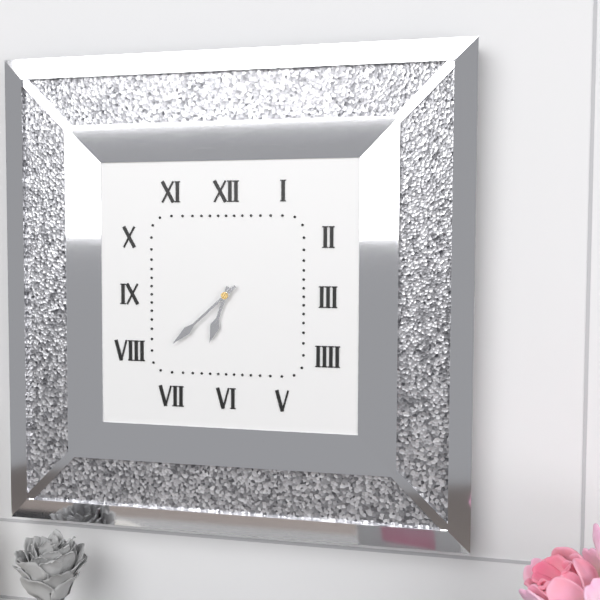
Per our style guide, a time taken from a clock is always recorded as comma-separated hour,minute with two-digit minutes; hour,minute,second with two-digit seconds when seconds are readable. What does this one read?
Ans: 6,38
